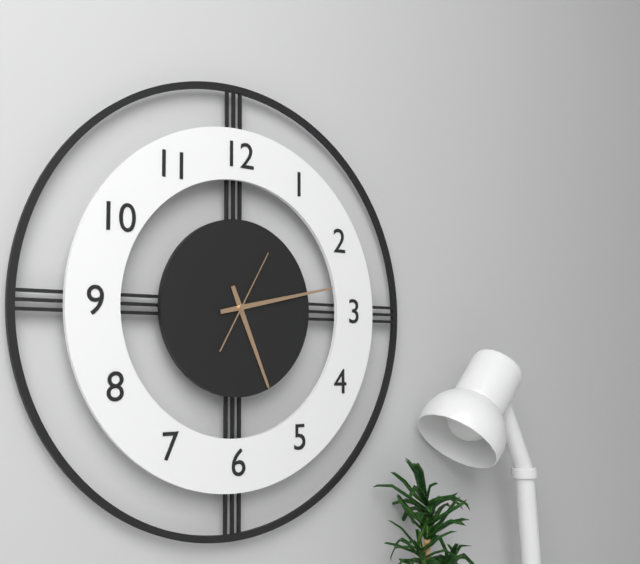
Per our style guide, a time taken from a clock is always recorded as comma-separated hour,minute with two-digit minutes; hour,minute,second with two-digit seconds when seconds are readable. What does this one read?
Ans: 5,13,05
